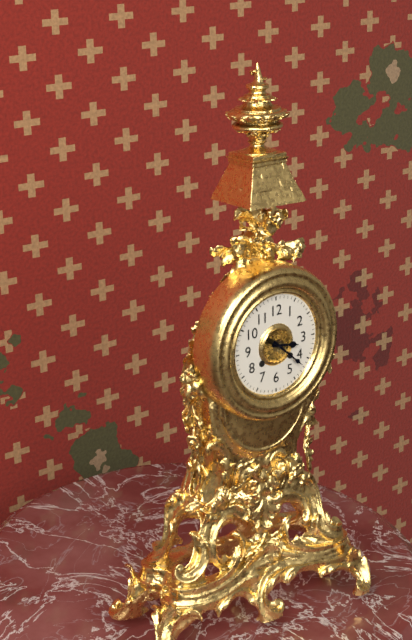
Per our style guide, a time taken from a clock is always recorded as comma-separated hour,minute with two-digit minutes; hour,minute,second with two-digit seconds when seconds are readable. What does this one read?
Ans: 3,22
